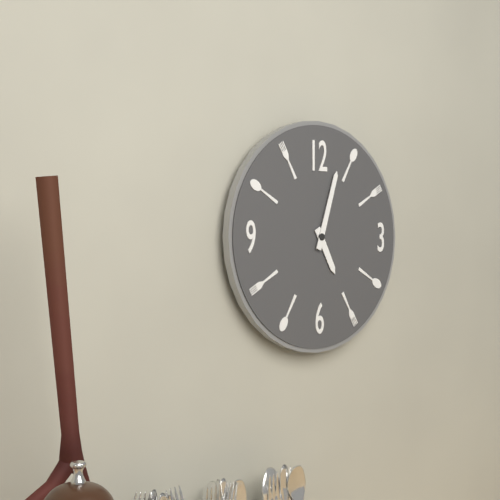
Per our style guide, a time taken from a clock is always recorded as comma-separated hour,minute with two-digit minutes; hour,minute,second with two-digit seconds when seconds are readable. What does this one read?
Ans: 5,03
